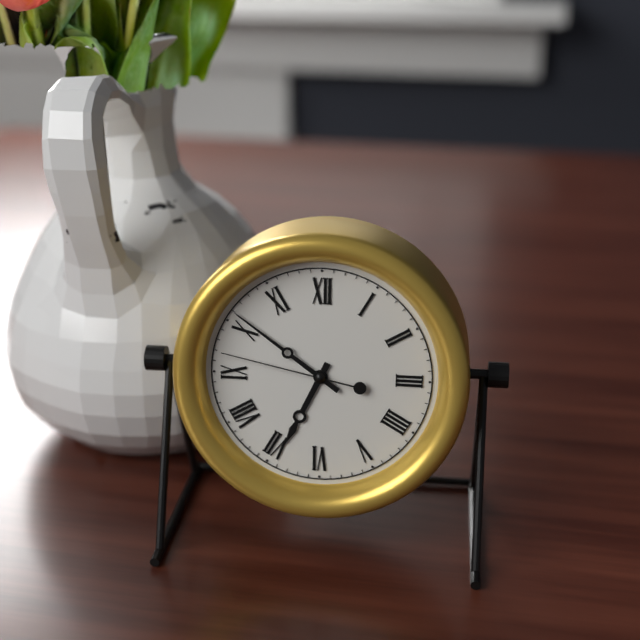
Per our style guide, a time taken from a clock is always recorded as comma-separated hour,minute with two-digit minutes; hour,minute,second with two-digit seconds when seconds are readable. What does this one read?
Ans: 6,51,47
